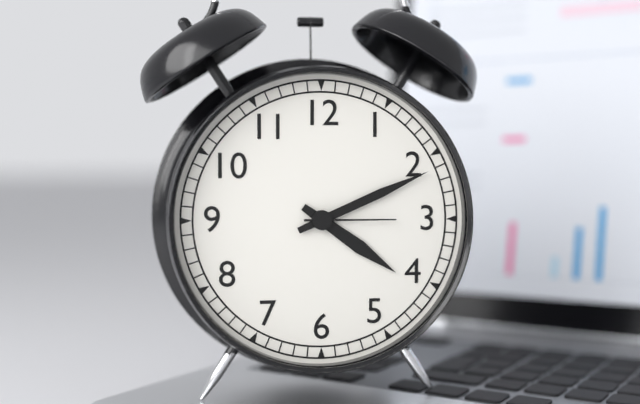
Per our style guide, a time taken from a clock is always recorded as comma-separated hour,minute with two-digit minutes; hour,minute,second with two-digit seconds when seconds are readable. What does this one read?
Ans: 4,11,15
